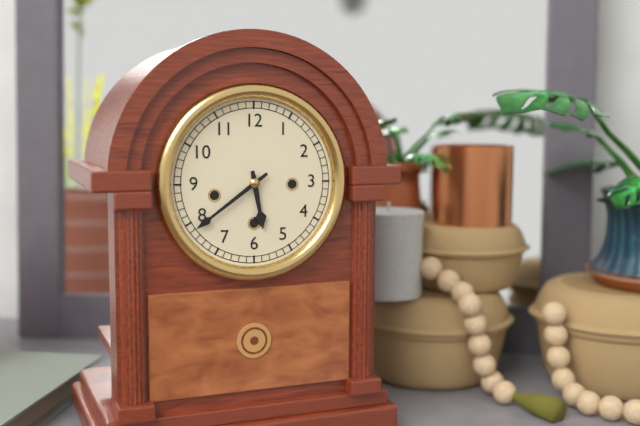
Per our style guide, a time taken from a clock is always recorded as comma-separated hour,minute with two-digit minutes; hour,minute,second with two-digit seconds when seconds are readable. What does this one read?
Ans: 5,39
